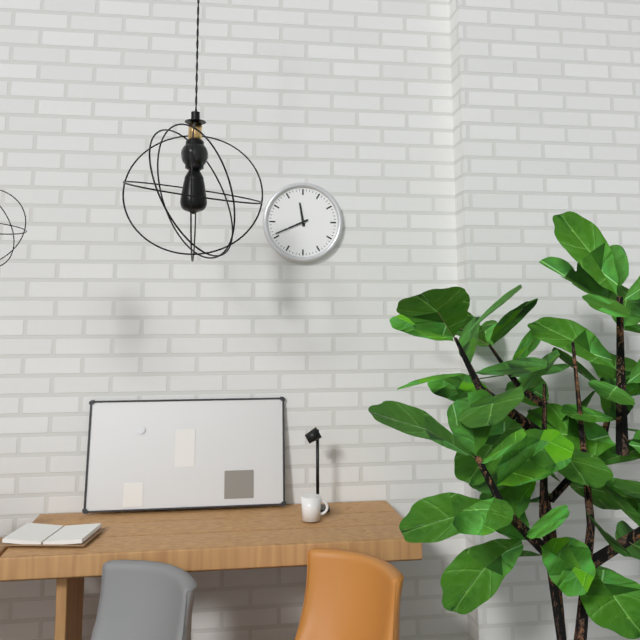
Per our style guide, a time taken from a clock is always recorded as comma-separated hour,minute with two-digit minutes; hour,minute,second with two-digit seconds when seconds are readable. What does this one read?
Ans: 11,41
